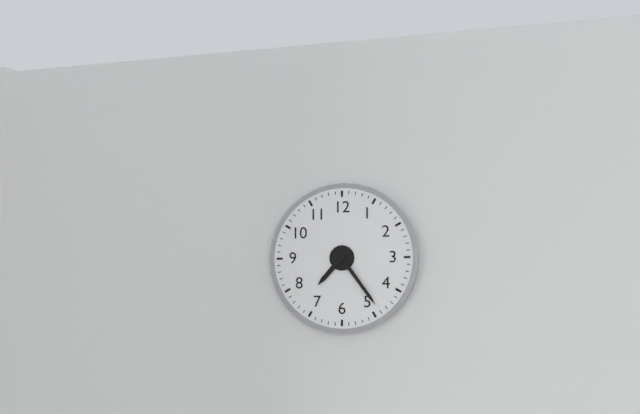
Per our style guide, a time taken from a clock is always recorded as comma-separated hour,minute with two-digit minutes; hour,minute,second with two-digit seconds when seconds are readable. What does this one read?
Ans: 7,24
